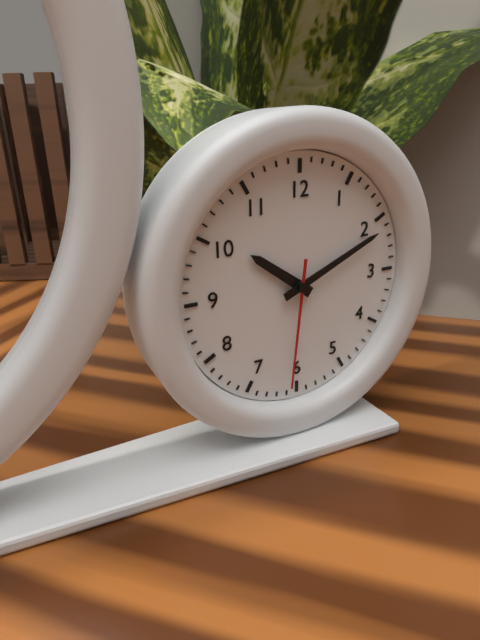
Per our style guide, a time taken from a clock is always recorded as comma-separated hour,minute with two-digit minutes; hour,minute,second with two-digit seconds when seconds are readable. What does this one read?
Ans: 10,11,31
